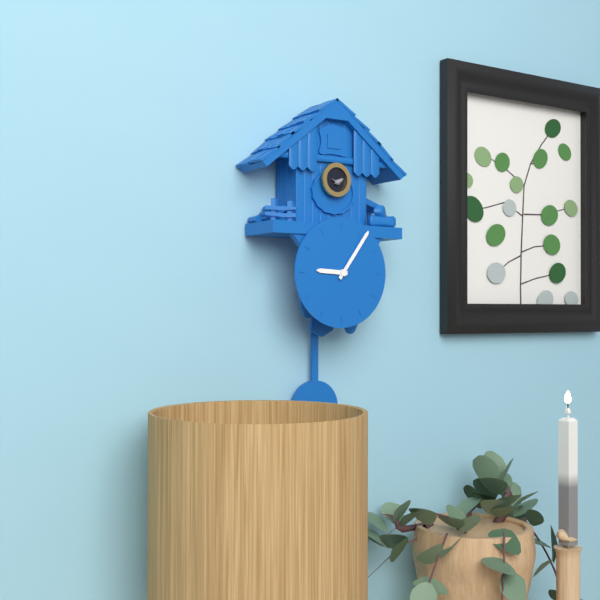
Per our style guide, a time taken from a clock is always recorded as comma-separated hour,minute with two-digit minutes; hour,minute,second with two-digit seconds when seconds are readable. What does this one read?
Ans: 9,06
